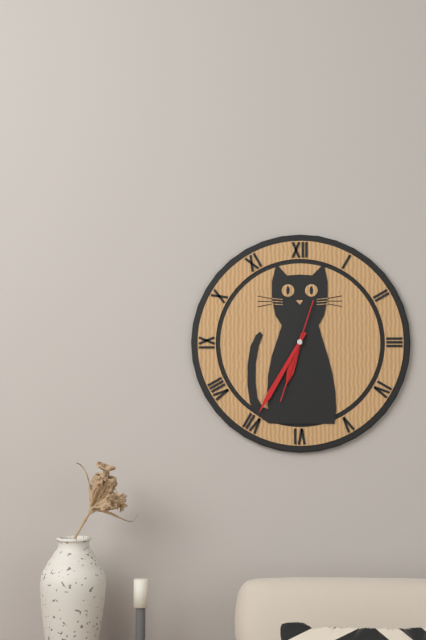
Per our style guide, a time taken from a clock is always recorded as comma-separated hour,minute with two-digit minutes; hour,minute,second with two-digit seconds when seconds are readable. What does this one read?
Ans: 6,35,33
